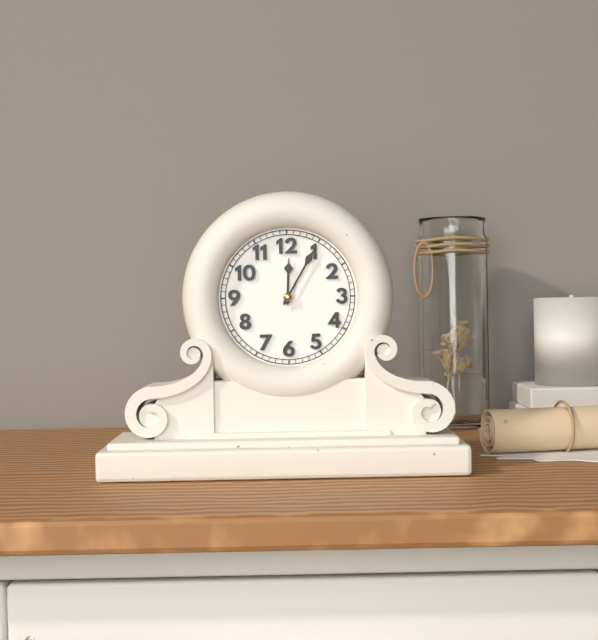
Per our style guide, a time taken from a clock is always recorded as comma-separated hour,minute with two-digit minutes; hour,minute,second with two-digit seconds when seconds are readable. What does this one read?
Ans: 12,05
